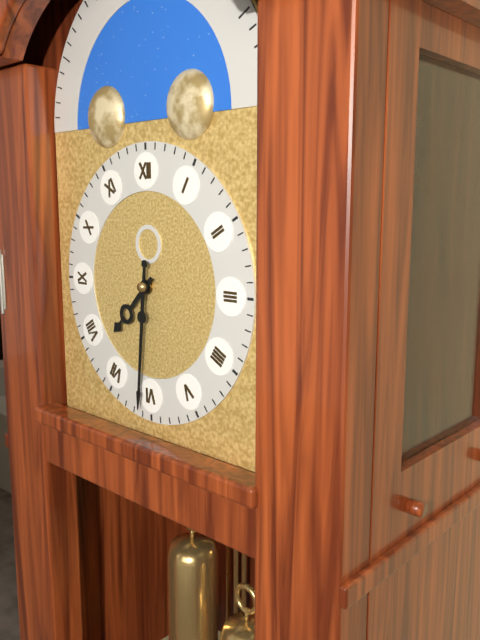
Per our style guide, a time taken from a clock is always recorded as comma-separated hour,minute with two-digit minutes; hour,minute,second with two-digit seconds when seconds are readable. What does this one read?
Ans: 7,31
